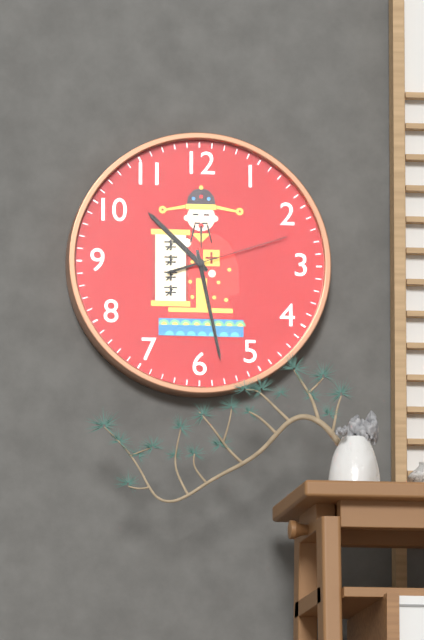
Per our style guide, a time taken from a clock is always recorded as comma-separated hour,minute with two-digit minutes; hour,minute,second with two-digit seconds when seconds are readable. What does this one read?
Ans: 10,28,12
